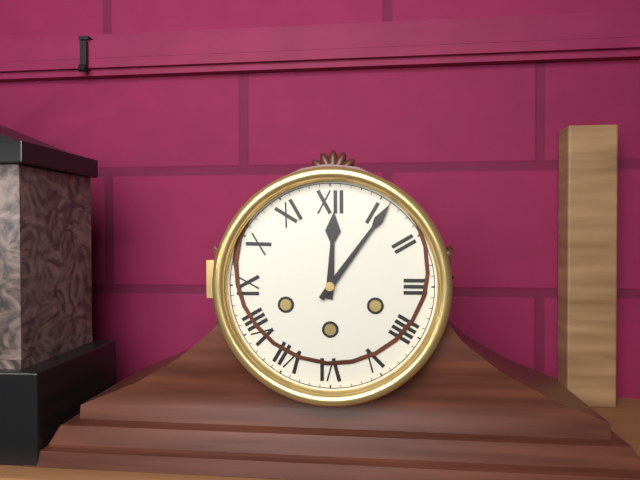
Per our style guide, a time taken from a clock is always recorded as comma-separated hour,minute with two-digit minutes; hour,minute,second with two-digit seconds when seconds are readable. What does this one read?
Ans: 12,06
